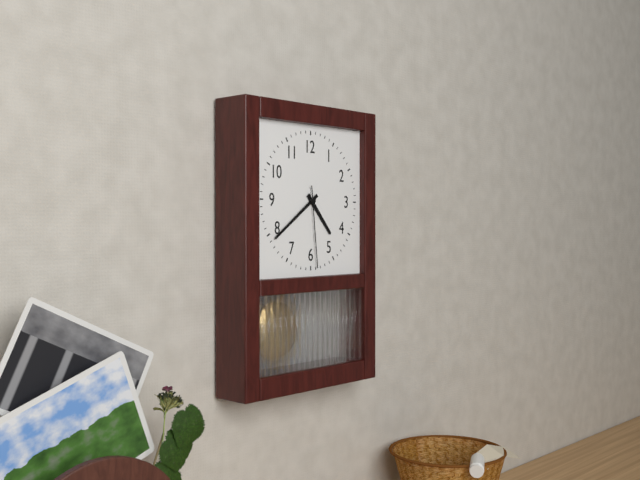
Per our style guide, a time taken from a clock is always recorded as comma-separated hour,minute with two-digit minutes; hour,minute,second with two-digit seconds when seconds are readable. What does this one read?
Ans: 4,39,29
